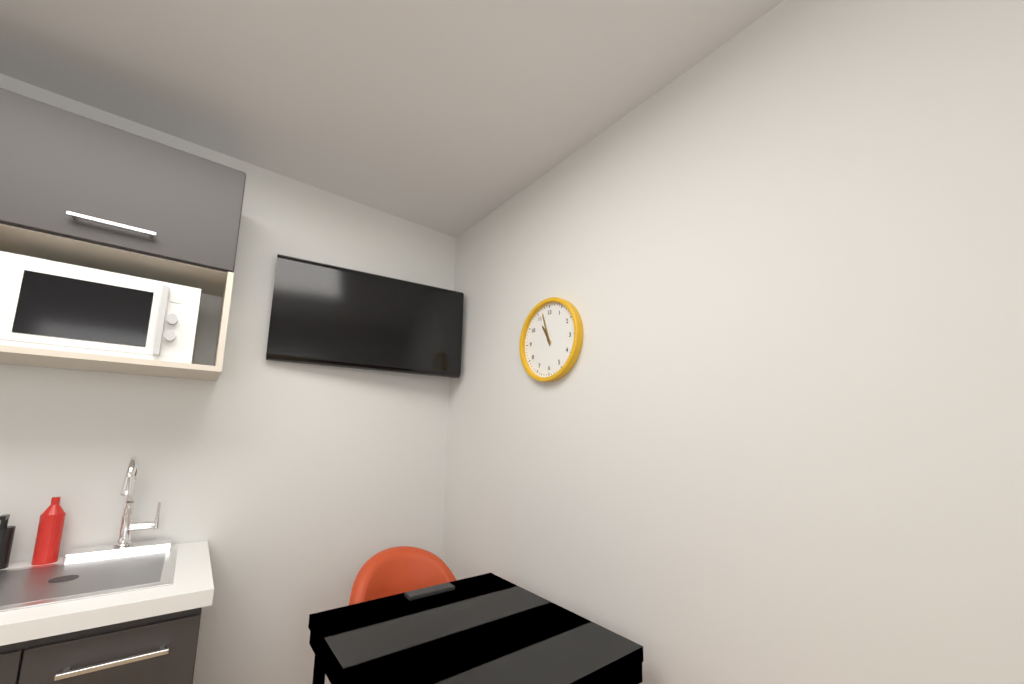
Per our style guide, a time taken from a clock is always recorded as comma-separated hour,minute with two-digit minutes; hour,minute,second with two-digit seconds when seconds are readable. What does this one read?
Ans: 10,57
